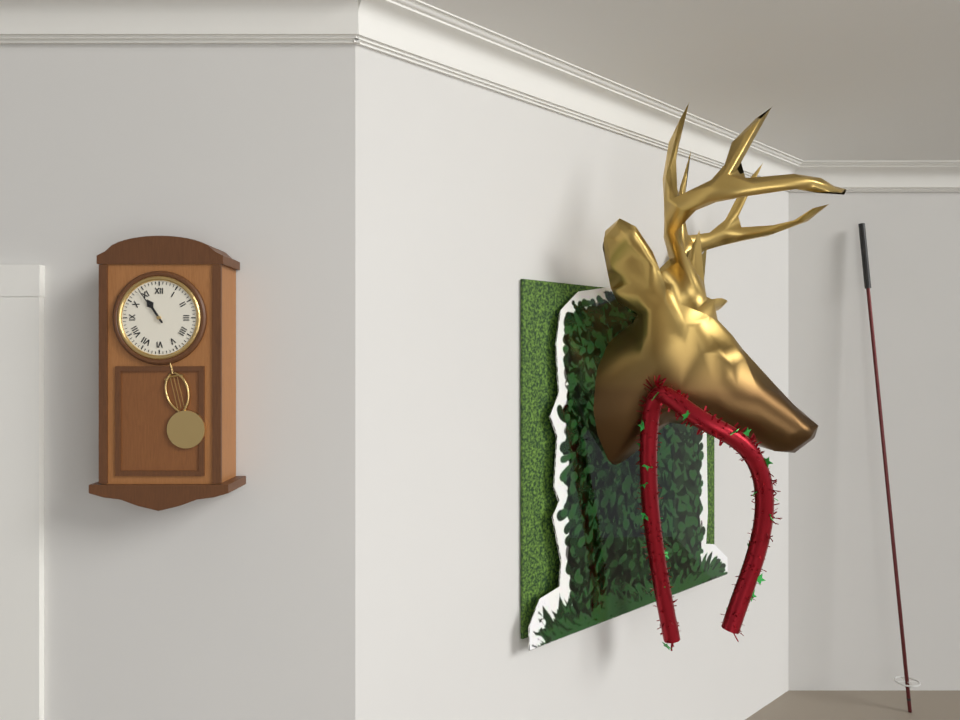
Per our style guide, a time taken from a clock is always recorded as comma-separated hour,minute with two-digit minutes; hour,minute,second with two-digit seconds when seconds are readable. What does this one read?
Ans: 10,54
